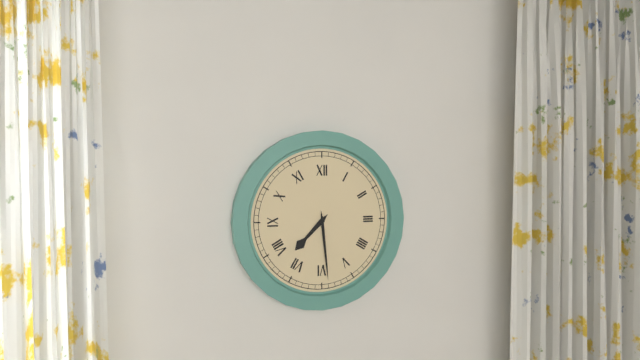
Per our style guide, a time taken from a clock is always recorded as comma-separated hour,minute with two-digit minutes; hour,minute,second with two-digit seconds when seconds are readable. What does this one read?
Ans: 7,29
